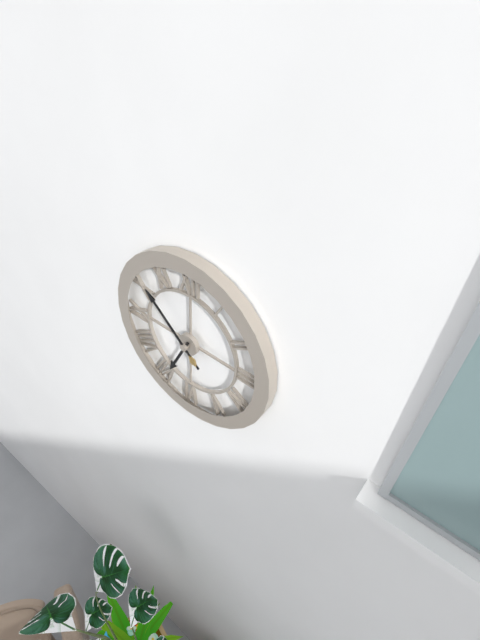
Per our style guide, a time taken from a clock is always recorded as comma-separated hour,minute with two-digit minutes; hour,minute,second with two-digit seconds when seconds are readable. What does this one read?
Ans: 6,52
